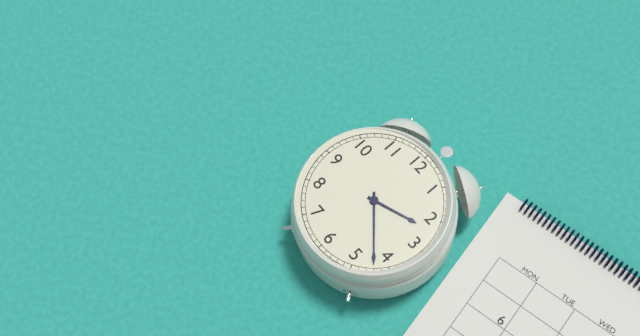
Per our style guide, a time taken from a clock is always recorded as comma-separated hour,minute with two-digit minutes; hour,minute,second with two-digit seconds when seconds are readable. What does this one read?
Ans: 2,22
